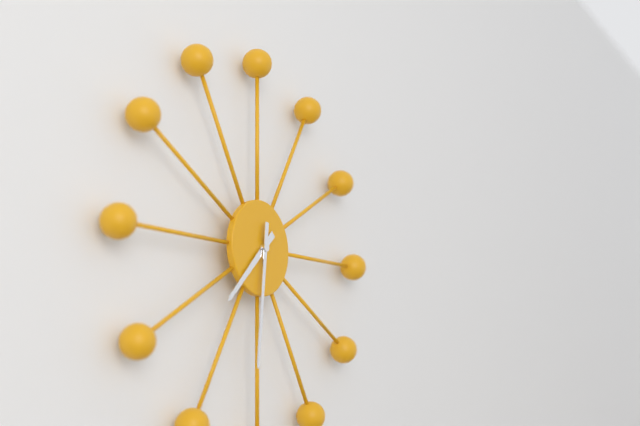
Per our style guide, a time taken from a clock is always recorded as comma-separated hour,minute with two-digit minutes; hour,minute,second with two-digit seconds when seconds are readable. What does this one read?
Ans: 7,31
